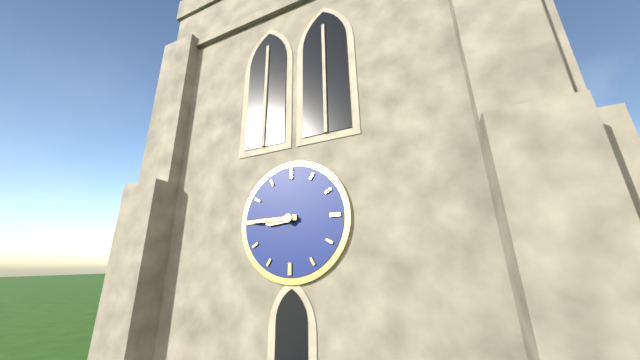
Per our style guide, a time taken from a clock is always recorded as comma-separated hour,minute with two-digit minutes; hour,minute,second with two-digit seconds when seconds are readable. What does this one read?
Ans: 8,45
